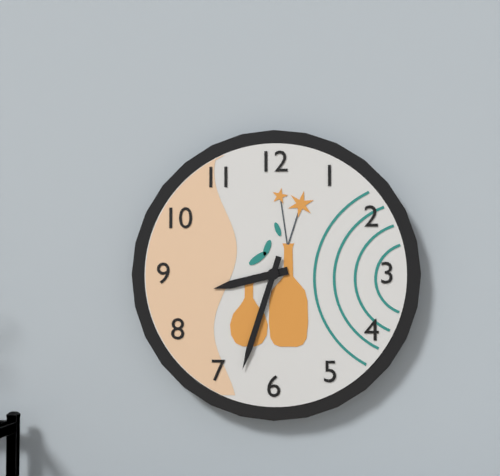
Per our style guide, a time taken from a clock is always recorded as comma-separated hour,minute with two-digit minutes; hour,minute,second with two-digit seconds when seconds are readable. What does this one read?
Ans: 8,33
